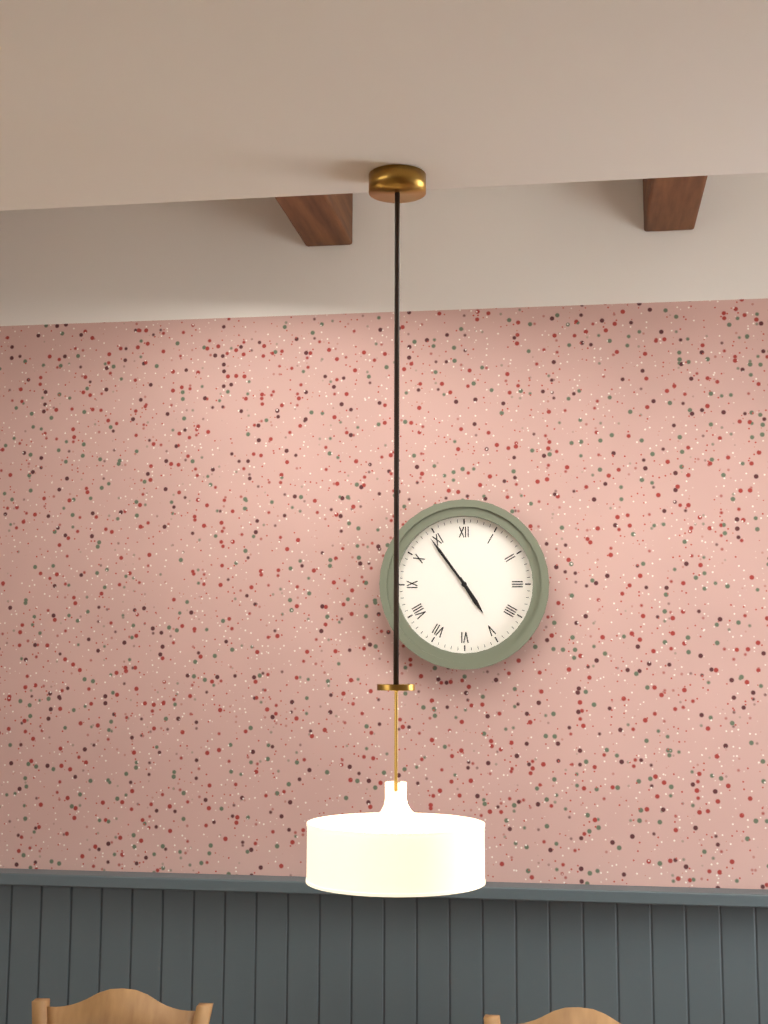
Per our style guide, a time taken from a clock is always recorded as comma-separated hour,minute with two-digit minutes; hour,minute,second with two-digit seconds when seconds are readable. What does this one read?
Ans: 4,54
